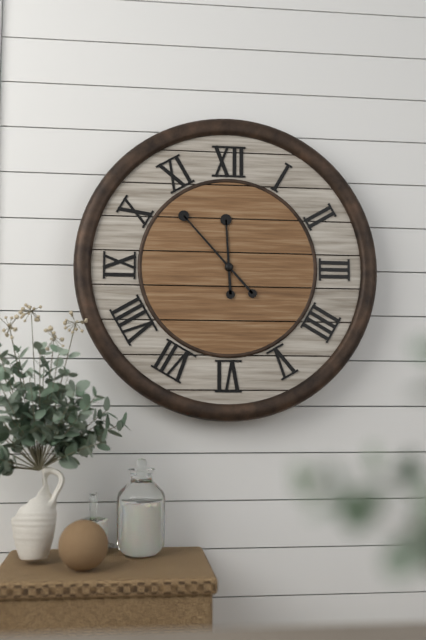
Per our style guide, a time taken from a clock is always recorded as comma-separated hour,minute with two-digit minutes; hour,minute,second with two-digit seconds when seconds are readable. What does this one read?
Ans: 11,53
